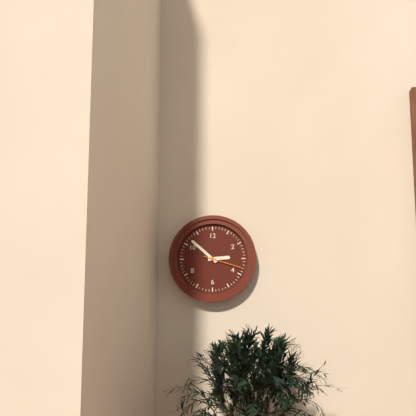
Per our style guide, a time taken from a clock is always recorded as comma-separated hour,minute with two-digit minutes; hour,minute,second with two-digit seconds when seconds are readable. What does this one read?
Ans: 2,52
